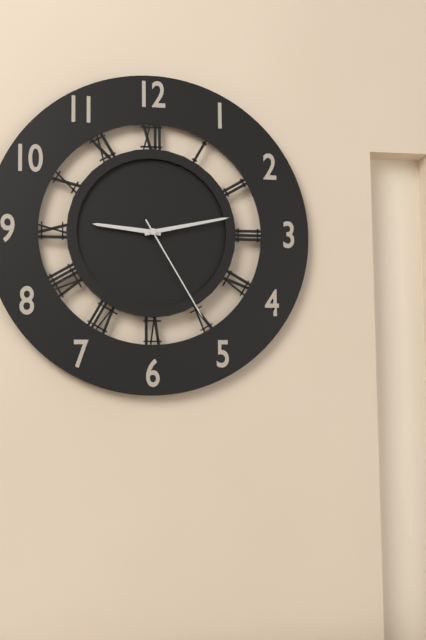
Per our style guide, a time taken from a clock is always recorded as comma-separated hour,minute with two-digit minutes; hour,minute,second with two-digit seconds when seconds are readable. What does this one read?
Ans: 9,13,25
